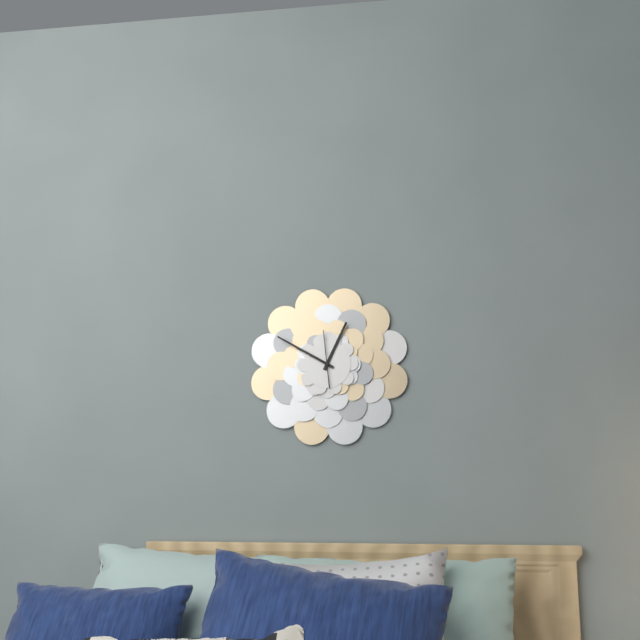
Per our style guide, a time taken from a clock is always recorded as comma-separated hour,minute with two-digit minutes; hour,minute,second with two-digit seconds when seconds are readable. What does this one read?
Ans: 12,50
